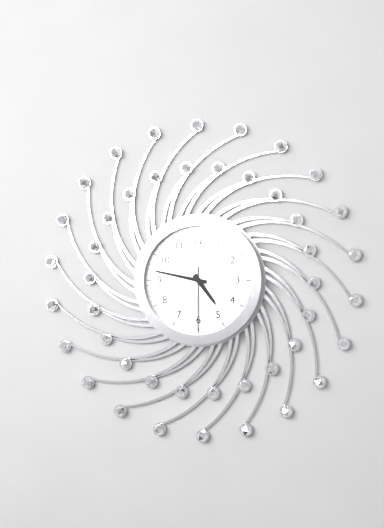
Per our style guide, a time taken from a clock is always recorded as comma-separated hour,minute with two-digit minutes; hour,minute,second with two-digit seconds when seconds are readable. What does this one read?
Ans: 4,47,30
